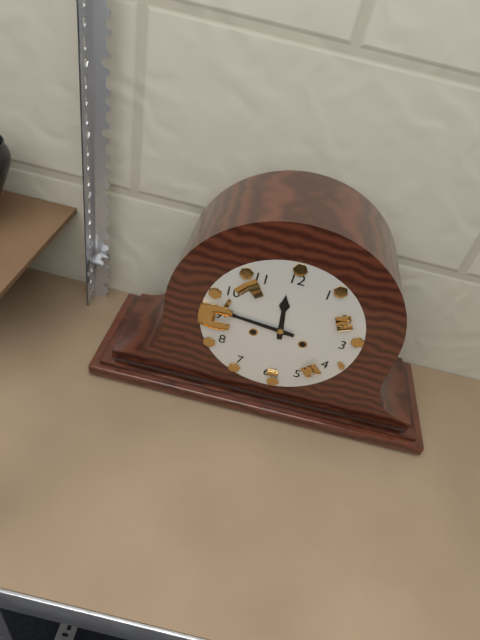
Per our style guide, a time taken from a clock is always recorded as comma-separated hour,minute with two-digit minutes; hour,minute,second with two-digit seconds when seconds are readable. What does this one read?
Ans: 11,46
